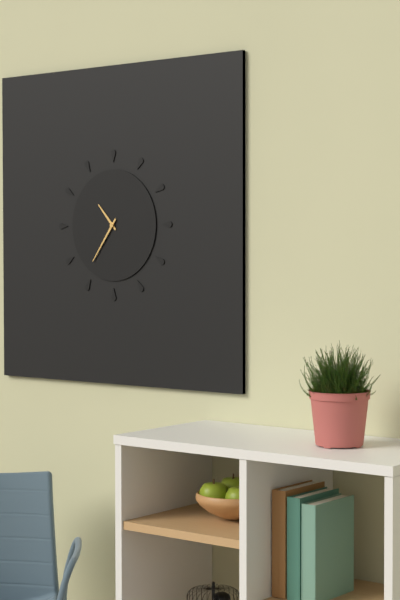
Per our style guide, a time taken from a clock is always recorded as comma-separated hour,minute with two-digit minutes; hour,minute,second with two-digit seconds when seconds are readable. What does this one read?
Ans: 10,36
